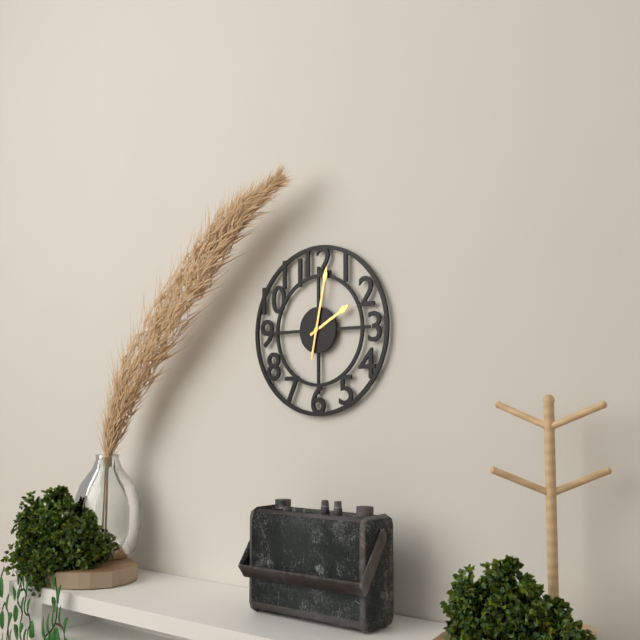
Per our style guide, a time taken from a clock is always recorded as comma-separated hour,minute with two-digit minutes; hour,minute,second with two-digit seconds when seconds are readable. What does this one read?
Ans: 2,02
